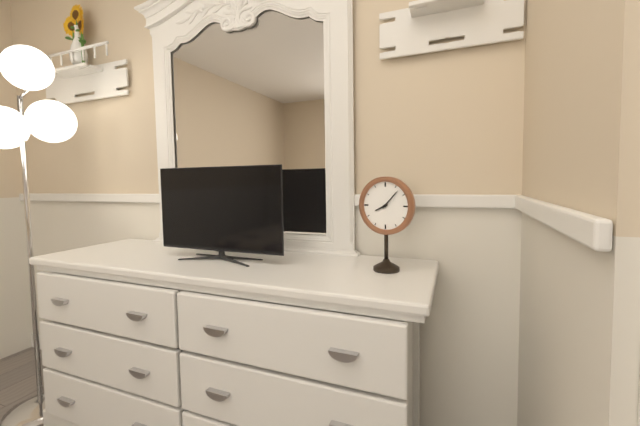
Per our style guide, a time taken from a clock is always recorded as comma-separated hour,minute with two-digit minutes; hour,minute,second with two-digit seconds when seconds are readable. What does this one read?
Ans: 8,07
